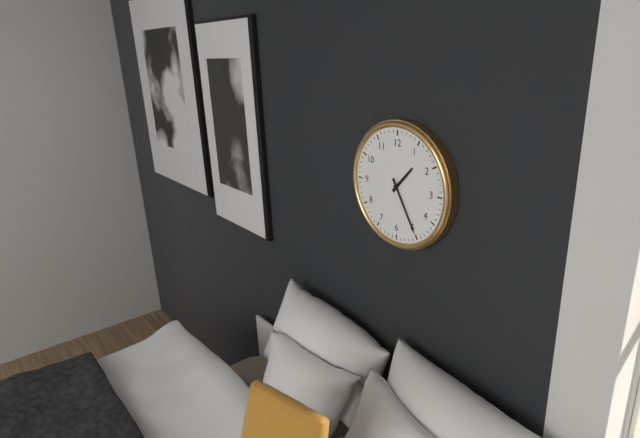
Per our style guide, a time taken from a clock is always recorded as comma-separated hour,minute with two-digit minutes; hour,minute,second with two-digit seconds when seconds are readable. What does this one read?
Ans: 1,25
